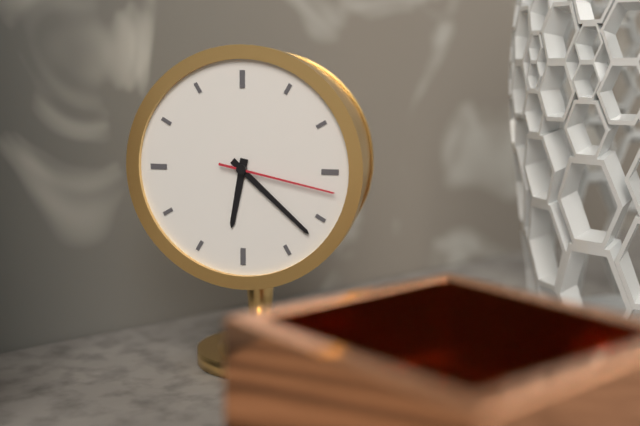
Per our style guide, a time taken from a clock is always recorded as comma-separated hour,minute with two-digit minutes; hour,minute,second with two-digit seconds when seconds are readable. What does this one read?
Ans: 6,22,17
